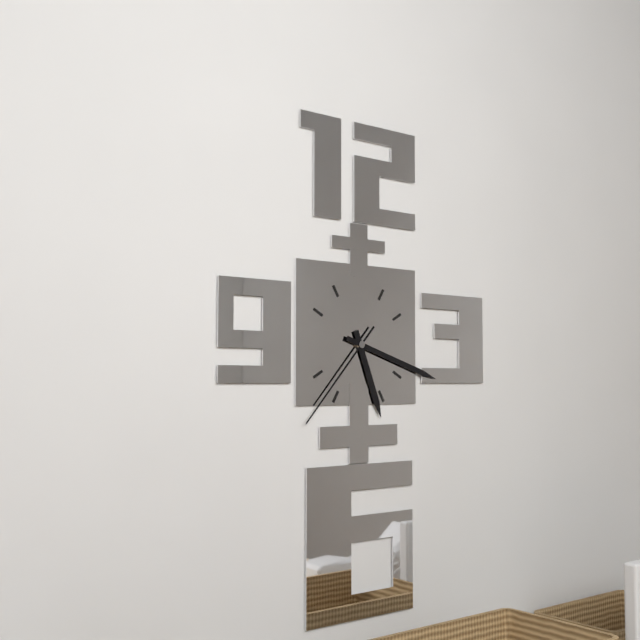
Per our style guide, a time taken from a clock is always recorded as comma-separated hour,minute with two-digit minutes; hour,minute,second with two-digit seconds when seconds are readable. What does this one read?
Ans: 5,18,37
